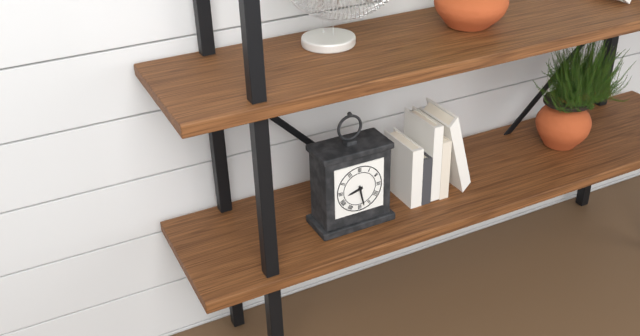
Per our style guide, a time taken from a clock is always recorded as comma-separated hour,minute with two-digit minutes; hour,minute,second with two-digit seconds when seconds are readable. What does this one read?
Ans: 8,28
